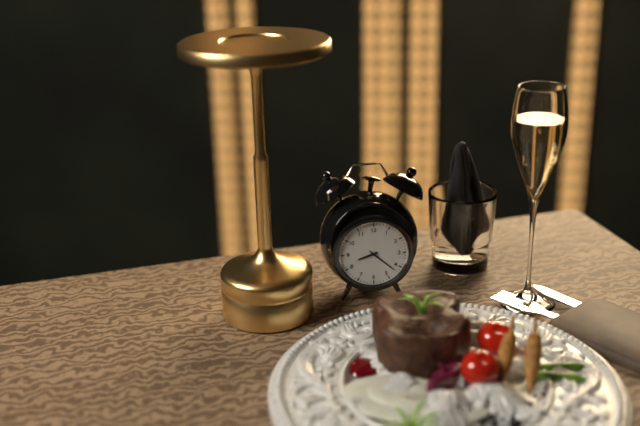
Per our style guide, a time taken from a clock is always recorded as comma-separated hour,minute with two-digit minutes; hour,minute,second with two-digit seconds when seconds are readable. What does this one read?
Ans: 8,22
